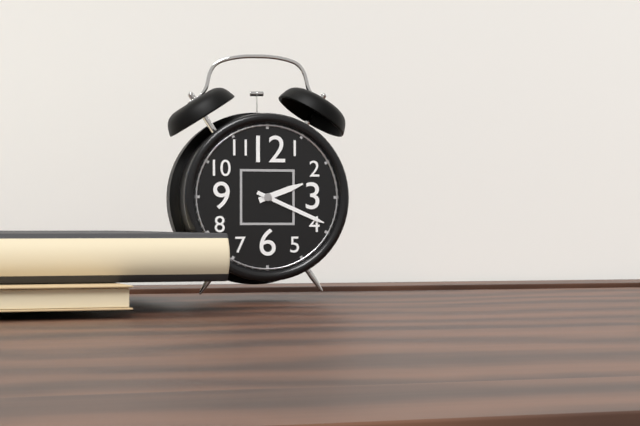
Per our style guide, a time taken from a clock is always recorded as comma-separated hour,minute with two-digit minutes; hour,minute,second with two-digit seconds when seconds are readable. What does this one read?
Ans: 2,19
